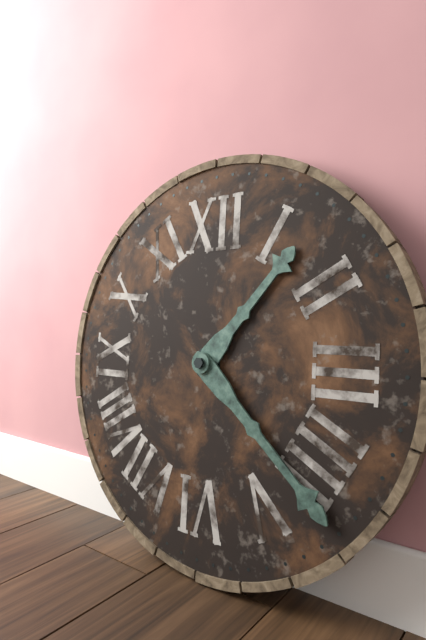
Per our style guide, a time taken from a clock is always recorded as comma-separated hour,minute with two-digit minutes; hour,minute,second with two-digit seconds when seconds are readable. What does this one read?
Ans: 1,22
